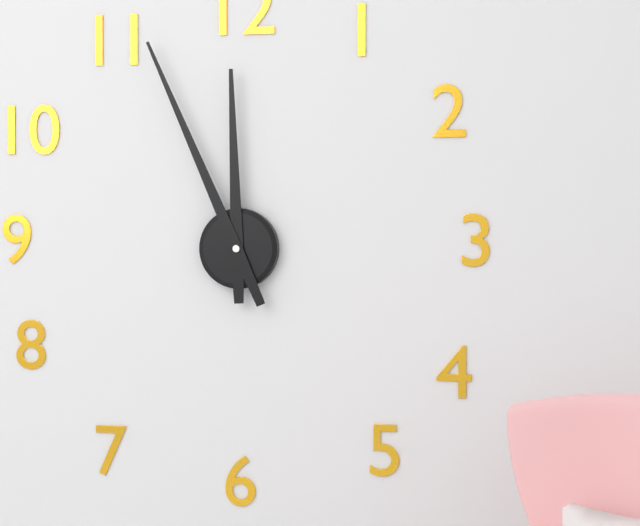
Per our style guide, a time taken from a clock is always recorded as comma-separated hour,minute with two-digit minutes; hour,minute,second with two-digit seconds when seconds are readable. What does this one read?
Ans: 11,56
